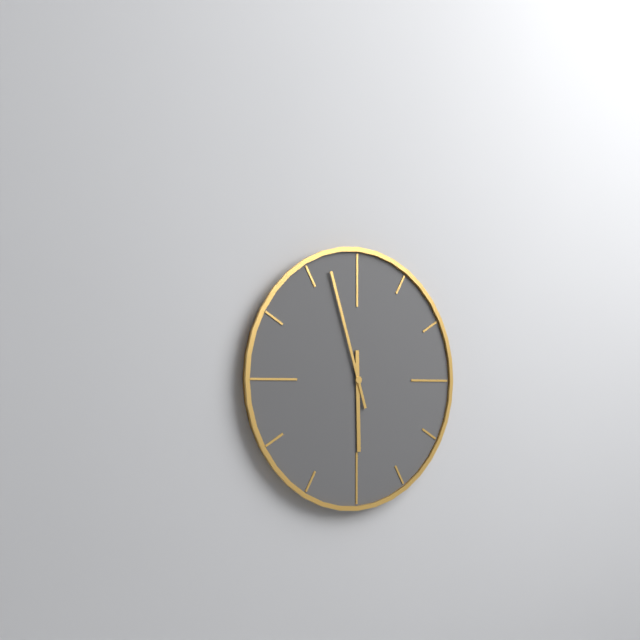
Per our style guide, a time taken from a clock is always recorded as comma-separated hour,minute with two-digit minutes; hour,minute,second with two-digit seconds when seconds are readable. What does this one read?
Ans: 5,57
